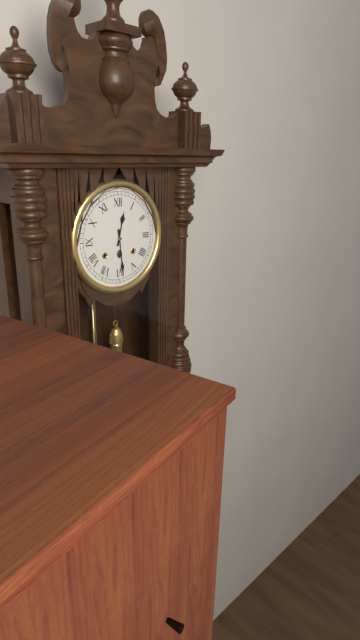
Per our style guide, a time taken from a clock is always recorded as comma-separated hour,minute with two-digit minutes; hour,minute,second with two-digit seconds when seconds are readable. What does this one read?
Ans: 12,29
